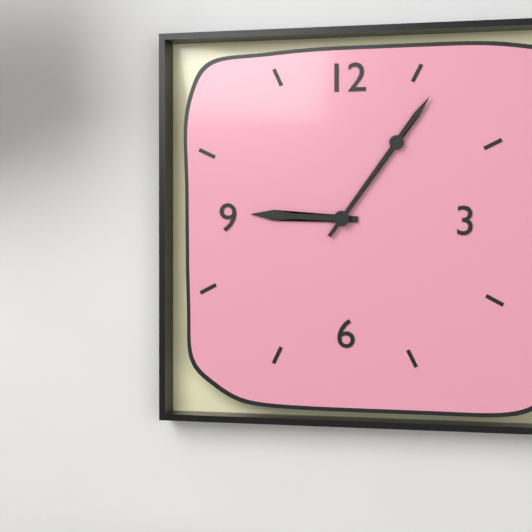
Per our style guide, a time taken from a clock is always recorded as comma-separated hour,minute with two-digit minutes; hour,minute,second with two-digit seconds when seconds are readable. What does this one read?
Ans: 9,06
